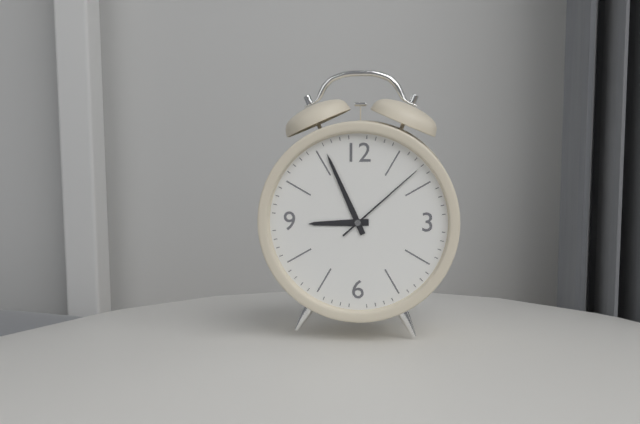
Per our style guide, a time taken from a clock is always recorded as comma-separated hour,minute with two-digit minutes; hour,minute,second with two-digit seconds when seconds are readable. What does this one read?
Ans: 8,56,08
